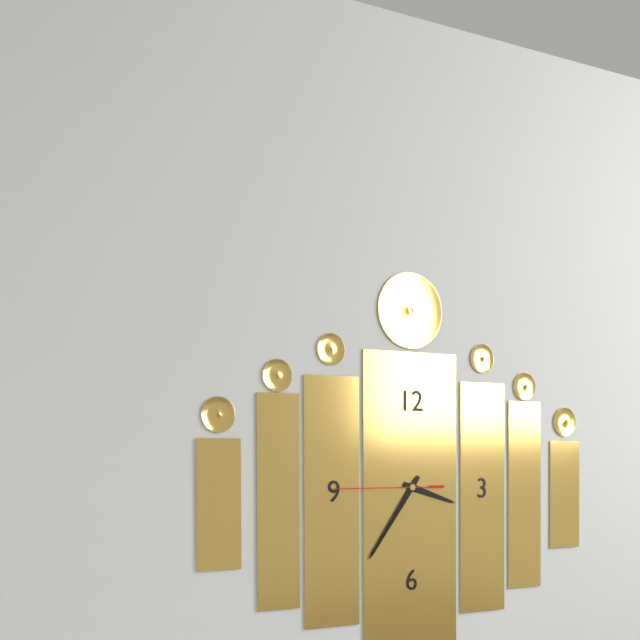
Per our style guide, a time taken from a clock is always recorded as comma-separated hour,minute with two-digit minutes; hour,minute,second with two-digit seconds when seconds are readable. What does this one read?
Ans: 3,36,45
